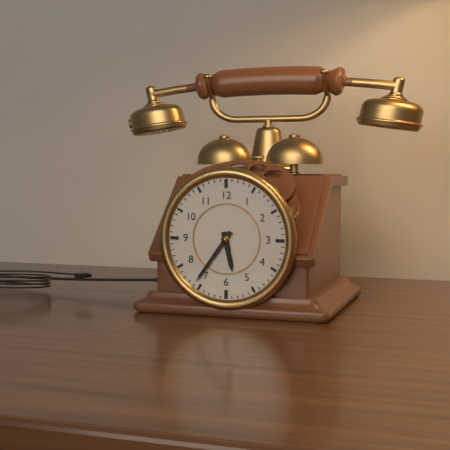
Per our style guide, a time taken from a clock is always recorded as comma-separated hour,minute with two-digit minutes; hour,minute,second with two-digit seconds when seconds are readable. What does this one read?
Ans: 5,36
